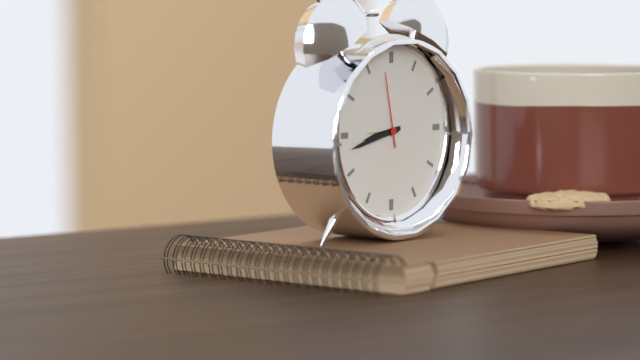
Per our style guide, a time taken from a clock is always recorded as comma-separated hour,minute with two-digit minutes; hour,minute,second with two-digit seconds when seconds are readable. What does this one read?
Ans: 8,43,58
